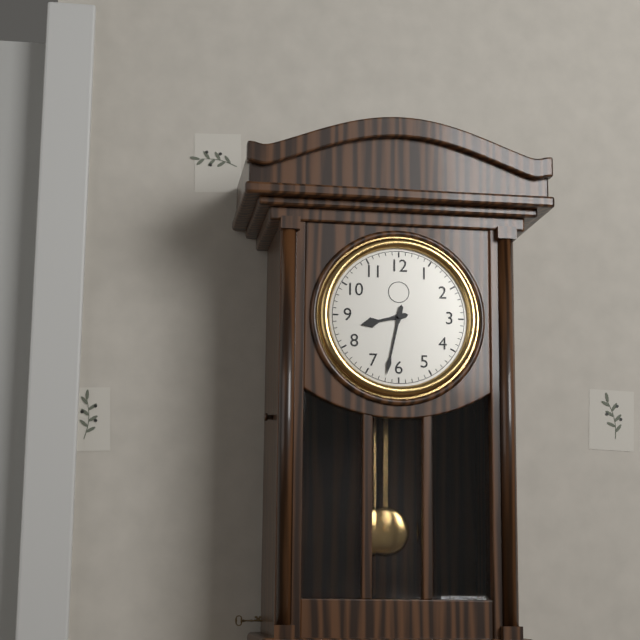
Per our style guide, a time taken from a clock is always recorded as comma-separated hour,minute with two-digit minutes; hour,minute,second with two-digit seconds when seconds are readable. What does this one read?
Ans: 8,32
